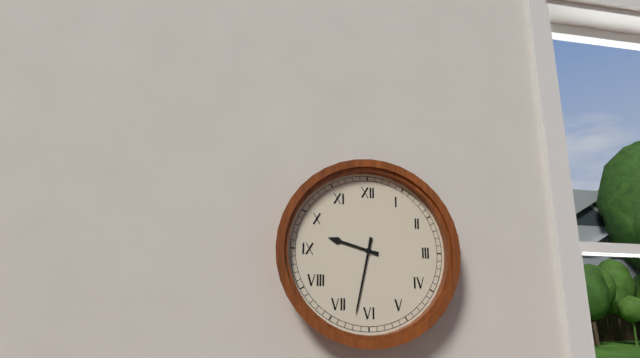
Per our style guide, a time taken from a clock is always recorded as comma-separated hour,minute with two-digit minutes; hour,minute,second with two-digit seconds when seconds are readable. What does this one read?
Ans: 9,32
